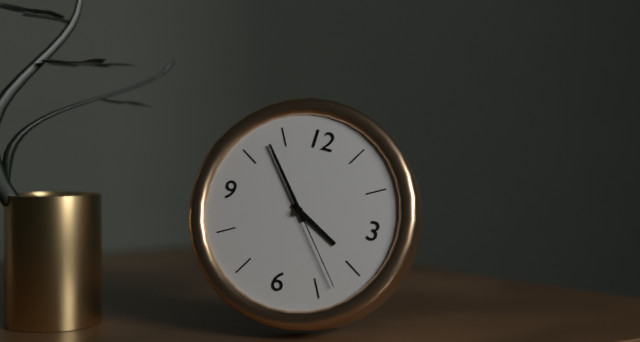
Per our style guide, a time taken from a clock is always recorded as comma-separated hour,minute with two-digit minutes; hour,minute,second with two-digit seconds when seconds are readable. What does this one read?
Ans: 3,53,23
